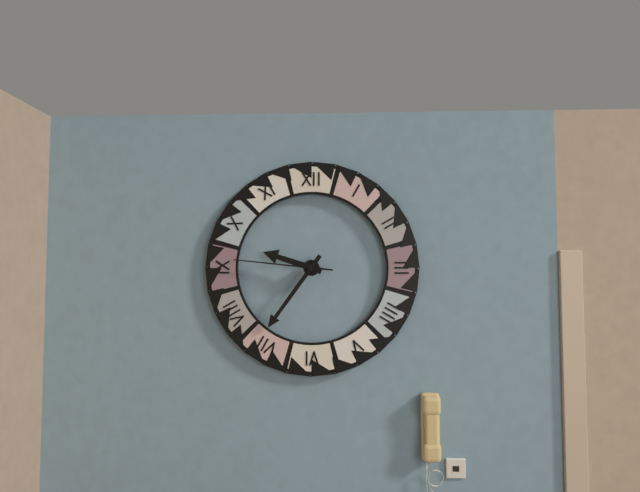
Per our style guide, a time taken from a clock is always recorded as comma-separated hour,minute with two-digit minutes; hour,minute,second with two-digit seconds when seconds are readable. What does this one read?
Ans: 9,36,46
